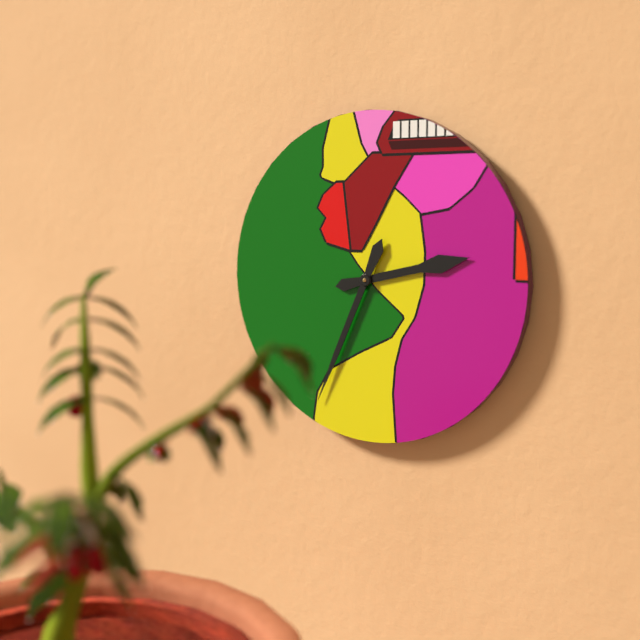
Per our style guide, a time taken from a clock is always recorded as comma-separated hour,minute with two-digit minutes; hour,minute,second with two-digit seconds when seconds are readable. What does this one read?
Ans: 2,34
